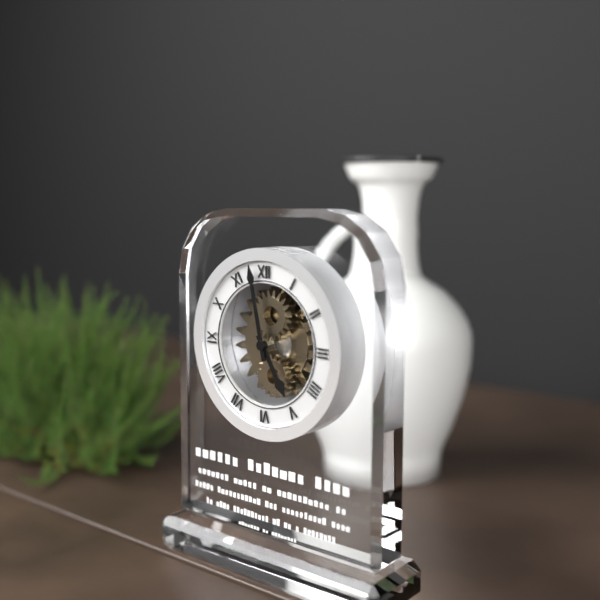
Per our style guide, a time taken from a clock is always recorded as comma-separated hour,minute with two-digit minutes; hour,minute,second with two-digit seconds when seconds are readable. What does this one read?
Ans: 4,58
